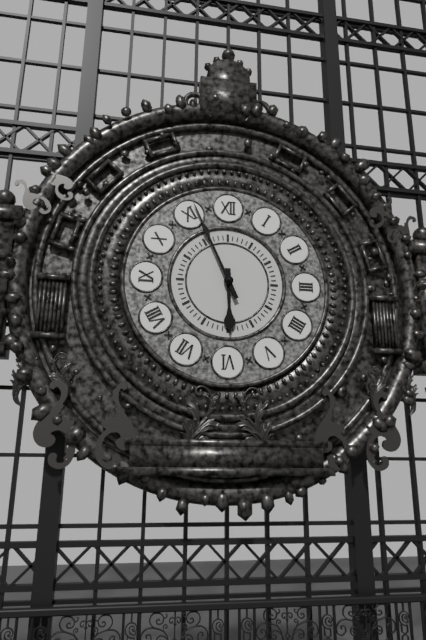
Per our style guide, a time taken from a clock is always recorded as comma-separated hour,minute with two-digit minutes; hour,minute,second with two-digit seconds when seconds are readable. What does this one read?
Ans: 5,56
